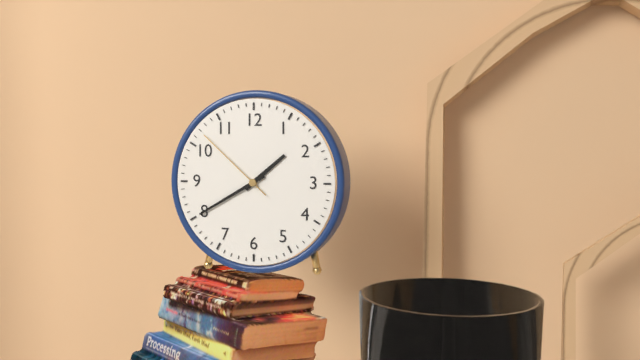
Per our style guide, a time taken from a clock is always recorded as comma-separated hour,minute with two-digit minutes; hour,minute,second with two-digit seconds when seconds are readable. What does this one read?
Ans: 1,40,52
